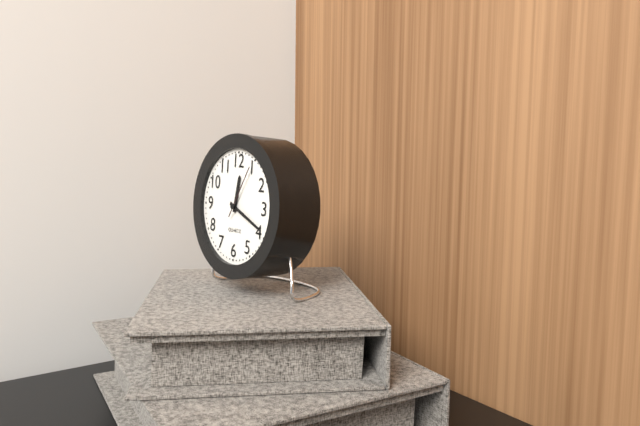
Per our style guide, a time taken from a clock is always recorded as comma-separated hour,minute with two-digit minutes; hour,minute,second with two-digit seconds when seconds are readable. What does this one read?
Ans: 12,19,05
